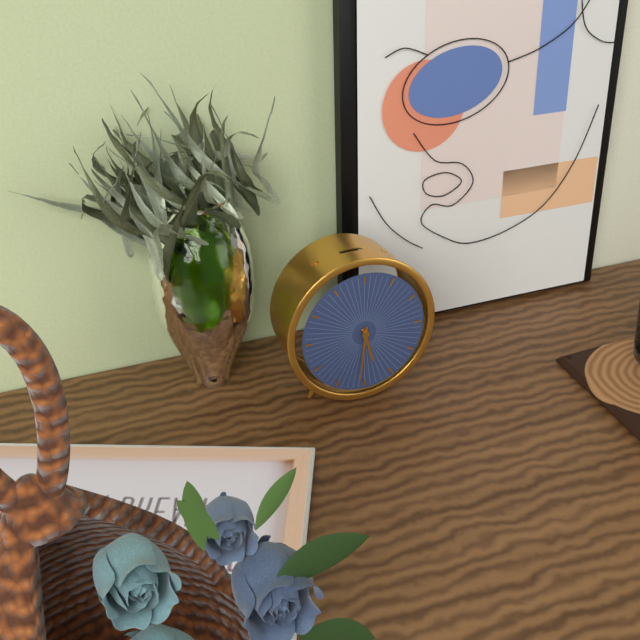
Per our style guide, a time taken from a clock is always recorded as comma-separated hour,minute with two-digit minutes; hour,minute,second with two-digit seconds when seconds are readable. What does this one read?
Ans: 5,31
